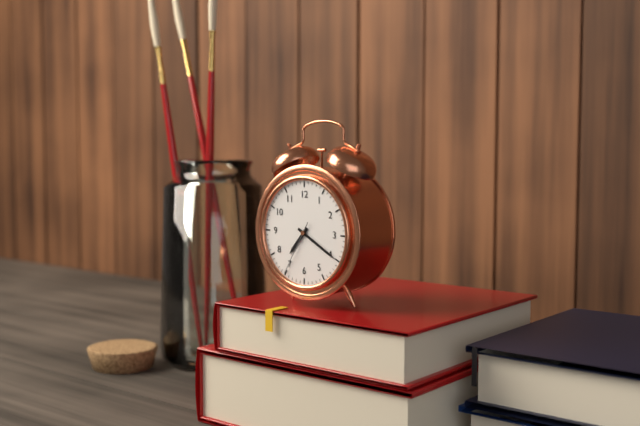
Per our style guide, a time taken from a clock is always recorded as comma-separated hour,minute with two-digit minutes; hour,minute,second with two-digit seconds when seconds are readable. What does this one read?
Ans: 7,20,35
